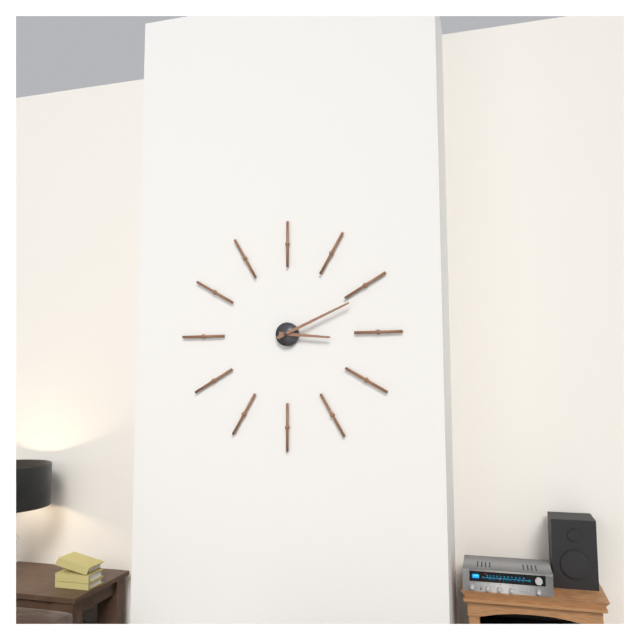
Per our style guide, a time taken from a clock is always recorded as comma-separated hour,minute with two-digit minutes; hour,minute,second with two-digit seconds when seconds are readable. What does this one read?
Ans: 3,11
